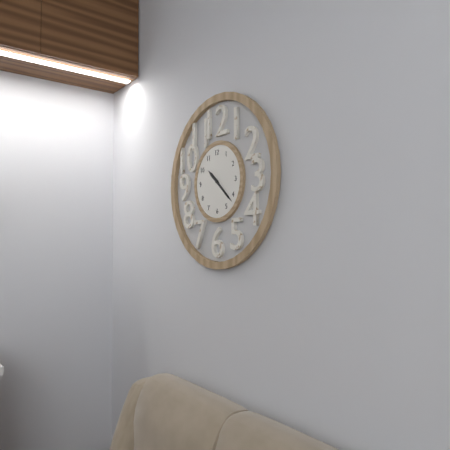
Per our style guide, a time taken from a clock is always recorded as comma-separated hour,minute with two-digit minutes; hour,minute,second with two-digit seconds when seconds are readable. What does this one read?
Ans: 10,22
